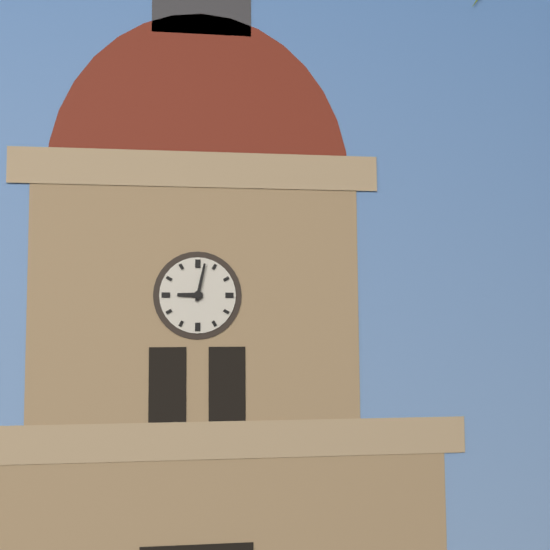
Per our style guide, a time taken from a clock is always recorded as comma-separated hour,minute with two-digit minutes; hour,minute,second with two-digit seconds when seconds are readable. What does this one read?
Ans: 9,02
